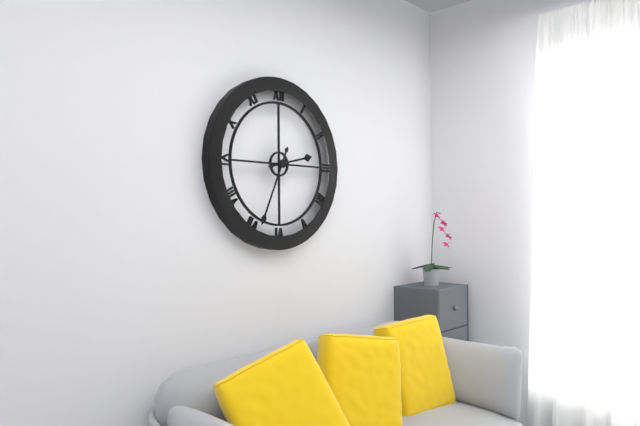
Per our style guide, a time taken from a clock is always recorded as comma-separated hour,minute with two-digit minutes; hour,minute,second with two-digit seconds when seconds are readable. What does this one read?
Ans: 2,34
